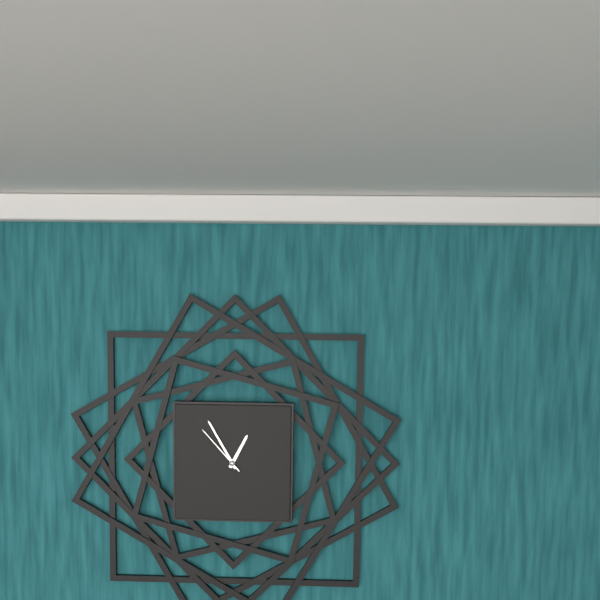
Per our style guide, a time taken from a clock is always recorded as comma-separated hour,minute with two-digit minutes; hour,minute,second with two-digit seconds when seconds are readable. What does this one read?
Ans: 12,55,53
